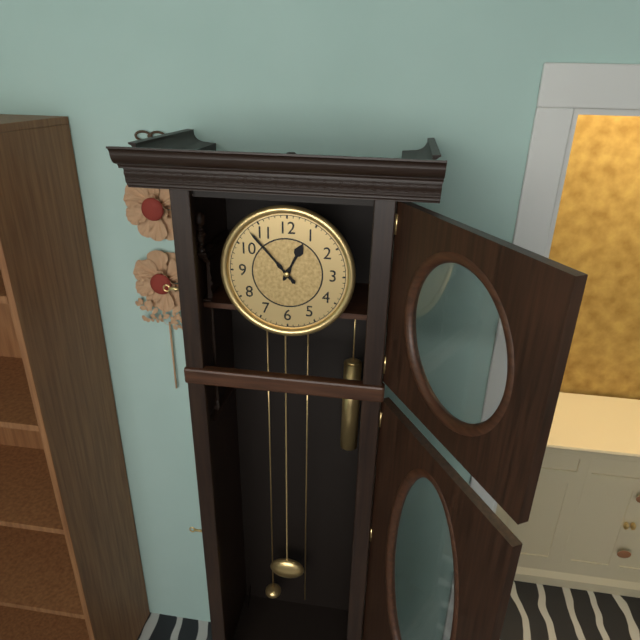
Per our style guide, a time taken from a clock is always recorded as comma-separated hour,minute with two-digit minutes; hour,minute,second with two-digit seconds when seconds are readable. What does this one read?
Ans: 12,53
